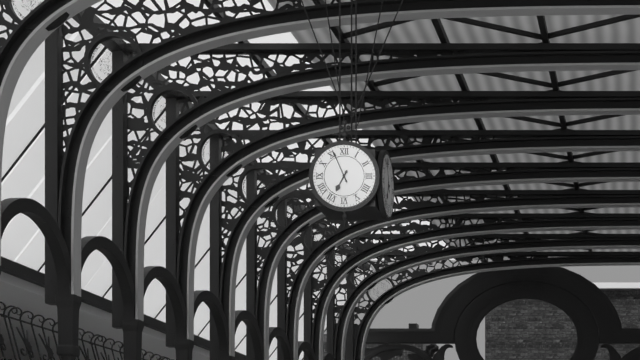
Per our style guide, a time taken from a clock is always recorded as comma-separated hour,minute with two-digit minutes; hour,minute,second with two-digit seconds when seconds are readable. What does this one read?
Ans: 6,56
